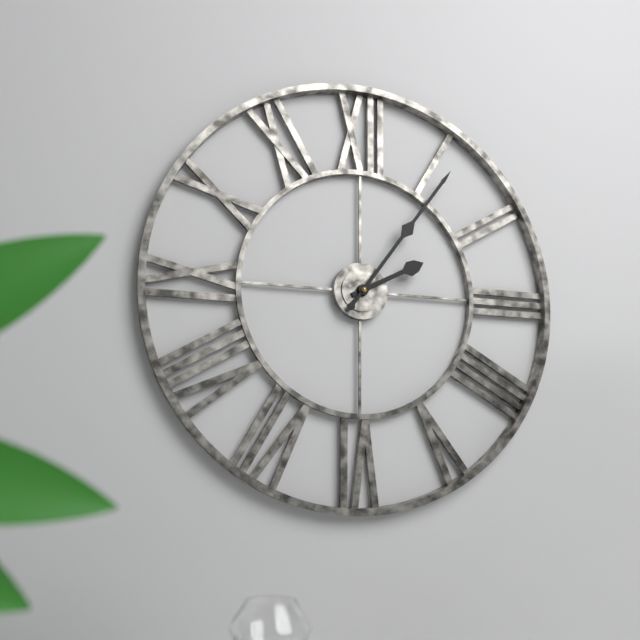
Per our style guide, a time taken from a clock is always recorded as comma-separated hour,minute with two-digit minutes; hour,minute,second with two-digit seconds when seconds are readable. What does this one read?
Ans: 2,06
